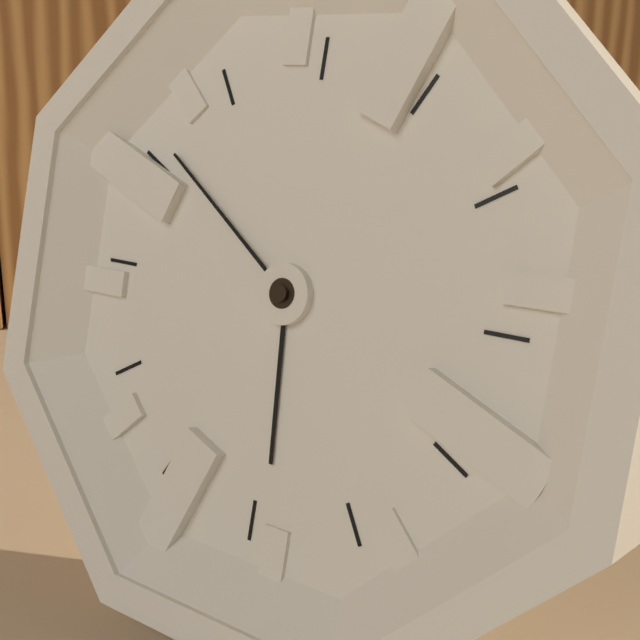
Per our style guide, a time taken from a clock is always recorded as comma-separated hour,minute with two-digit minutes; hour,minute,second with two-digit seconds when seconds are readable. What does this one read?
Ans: 5,51
